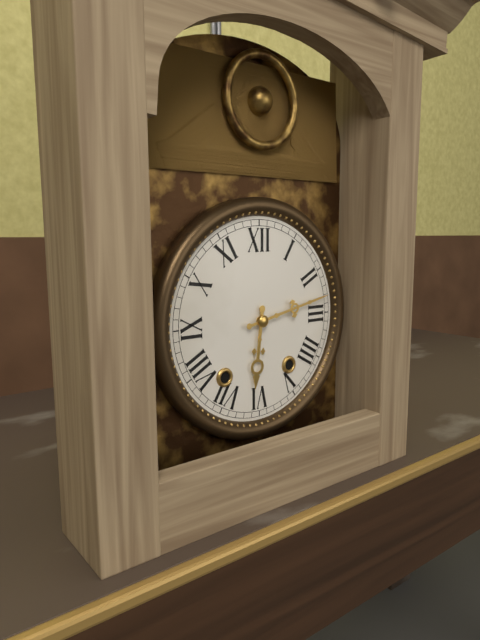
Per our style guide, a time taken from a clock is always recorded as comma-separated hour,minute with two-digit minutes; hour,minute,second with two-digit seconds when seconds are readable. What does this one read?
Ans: 6,13
